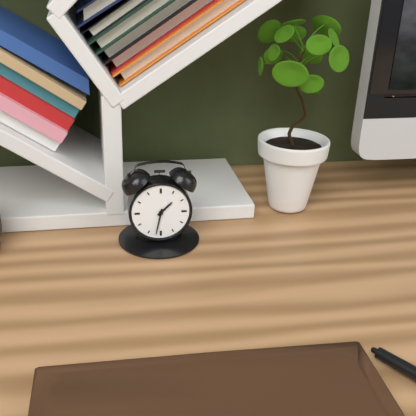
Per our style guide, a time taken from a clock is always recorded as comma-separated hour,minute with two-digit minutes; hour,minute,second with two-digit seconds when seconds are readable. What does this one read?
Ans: 1,32
